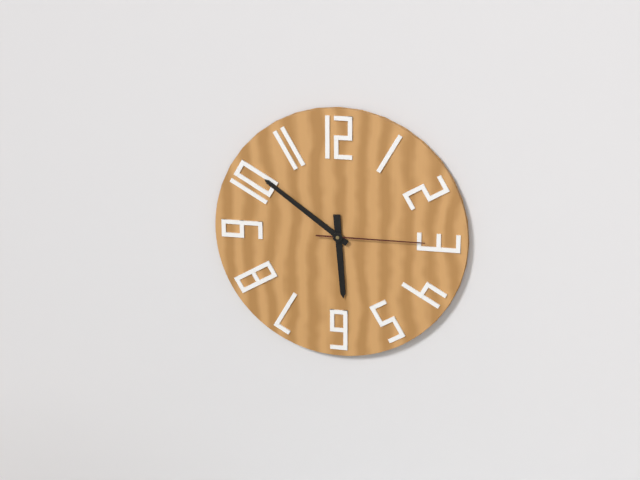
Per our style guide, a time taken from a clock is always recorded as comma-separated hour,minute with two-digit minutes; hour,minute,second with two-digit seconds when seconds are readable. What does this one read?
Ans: 5,51,15
